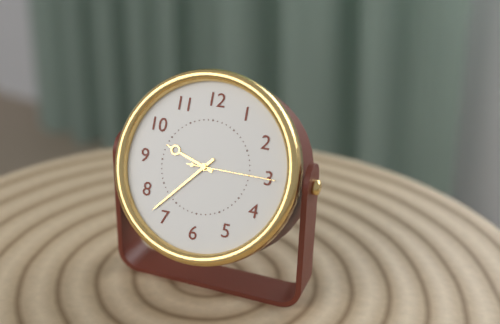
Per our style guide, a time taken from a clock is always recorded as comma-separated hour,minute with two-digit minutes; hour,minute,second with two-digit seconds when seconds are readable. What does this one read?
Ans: 9,37,15
